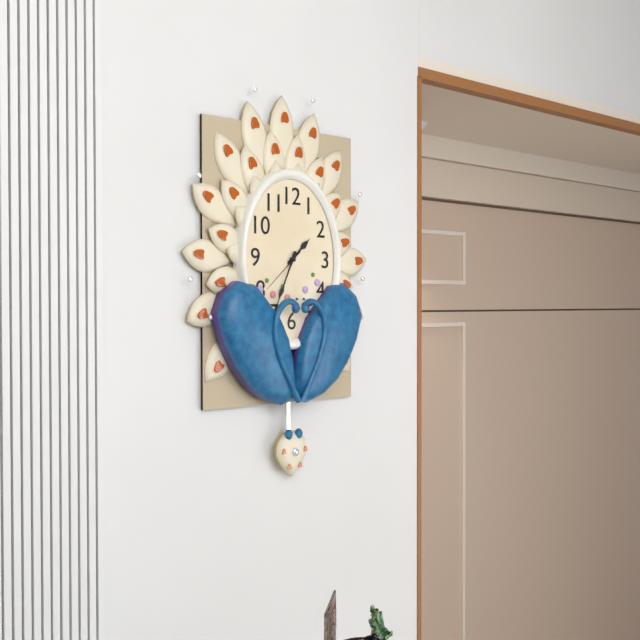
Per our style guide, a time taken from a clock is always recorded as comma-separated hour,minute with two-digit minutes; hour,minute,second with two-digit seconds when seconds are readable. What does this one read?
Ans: 1,34
